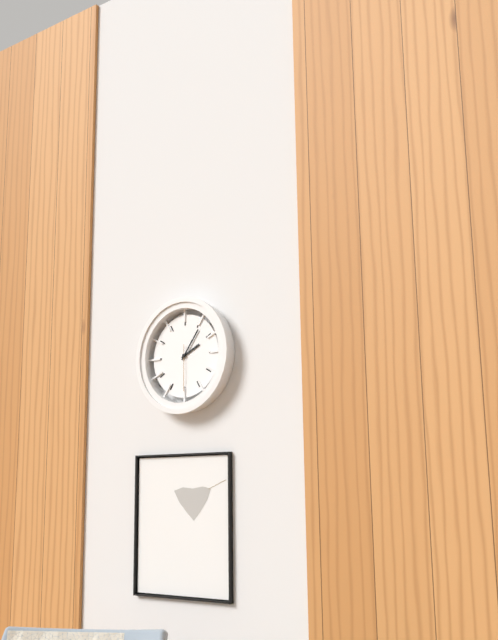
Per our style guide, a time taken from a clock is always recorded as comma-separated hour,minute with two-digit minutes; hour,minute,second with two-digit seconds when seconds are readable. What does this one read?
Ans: 2,06
